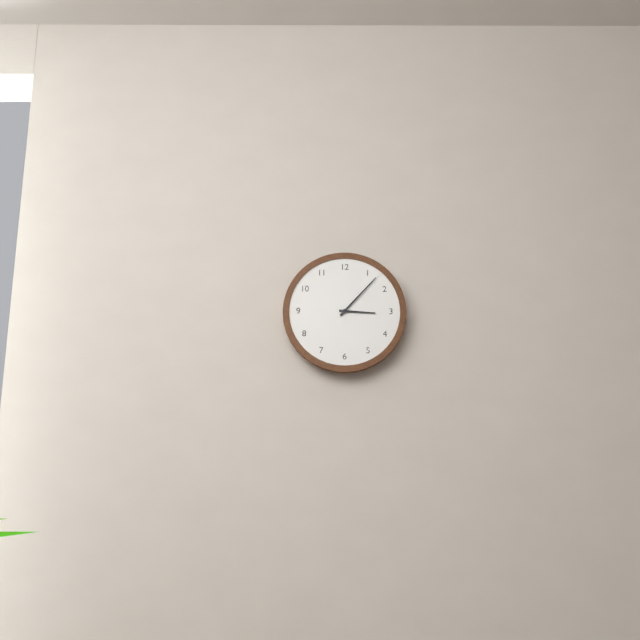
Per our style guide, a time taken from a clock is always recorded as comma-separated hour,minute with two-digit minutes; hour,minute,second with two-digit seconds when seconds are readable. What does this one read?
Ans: 3,07
